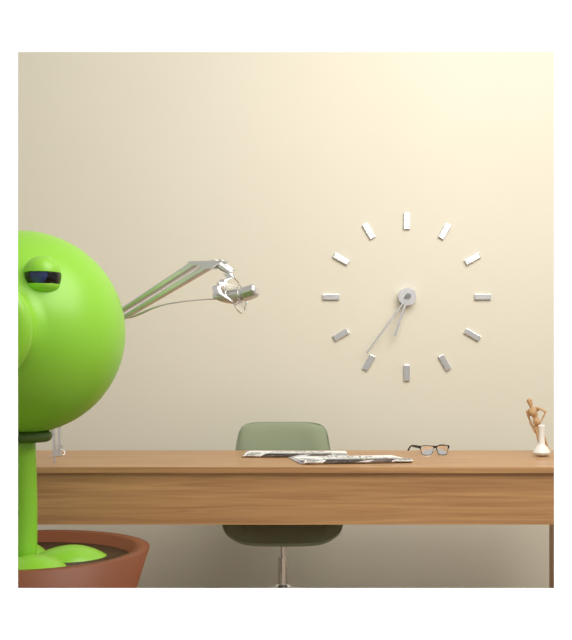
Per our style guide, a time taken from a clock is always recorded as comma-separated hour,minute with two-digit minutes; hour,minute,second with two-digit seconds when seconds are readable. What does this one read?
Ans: 6,36
